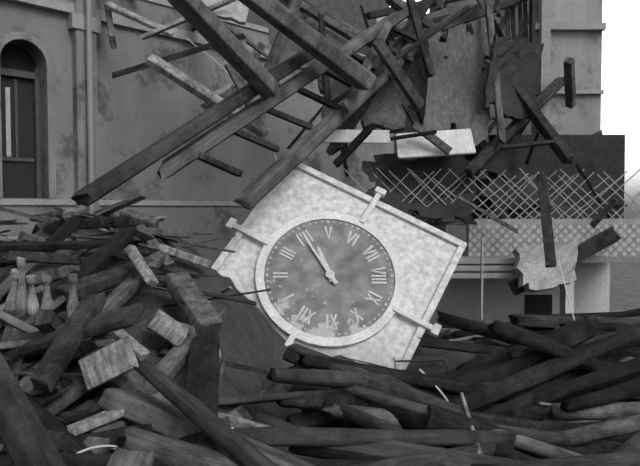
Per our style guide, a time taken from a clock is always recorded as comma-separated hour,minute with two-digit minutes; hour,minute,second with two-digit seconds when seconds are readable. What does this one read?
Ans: 4,20
